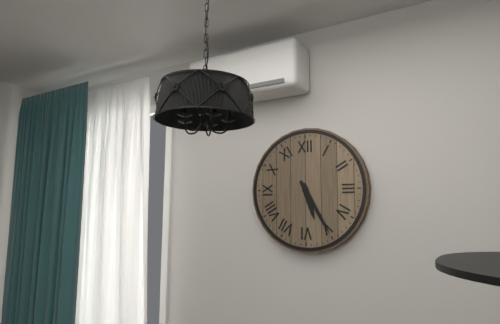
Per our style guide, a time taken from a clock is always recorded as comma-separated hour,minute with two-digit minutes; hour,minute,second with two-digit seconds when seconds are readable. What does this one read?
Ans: 5,25
